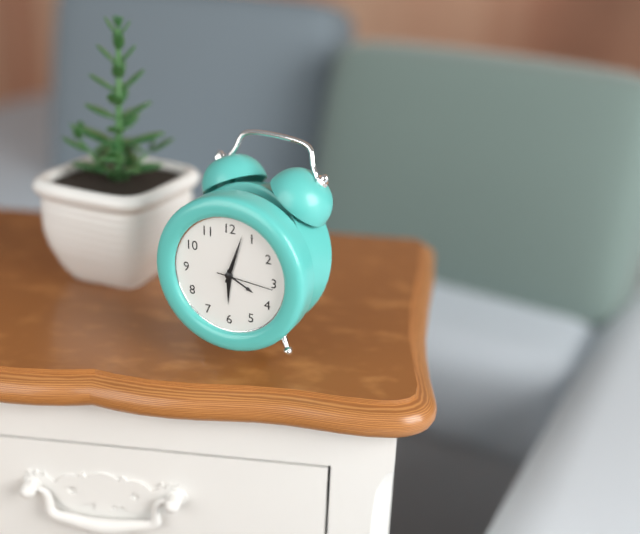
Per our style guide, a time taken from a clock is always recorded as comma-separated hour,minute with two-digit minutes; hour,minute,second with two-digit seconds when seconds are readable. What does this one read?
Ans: 6,03,16
